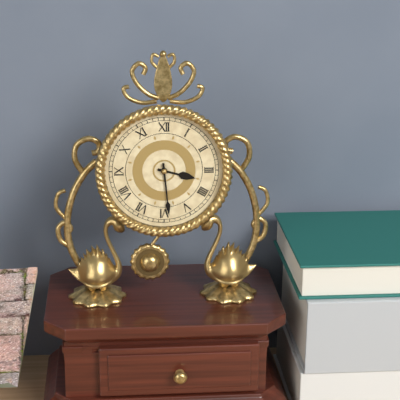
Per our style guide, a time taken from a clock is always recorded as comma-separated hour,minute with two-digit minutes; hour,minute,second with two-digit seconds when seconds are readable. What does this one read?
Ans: 3,29
